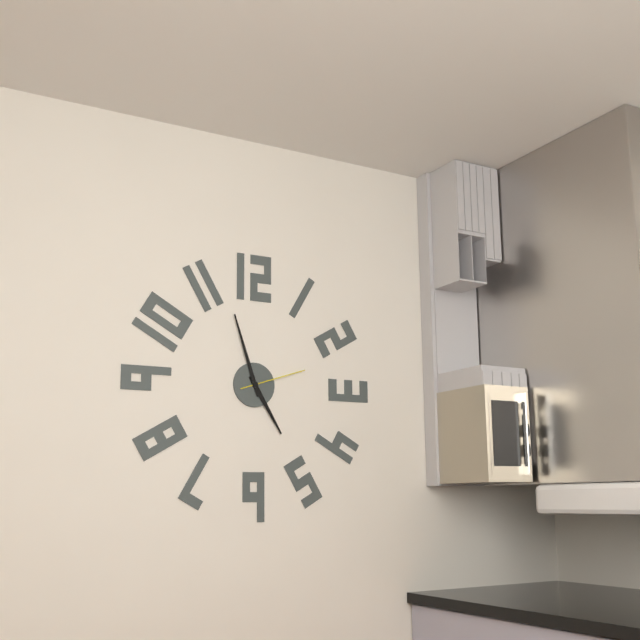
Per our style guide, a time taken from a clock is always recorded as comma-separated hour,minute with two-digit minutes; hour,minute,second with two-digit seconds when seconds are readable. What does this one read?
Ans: 4,57,12
